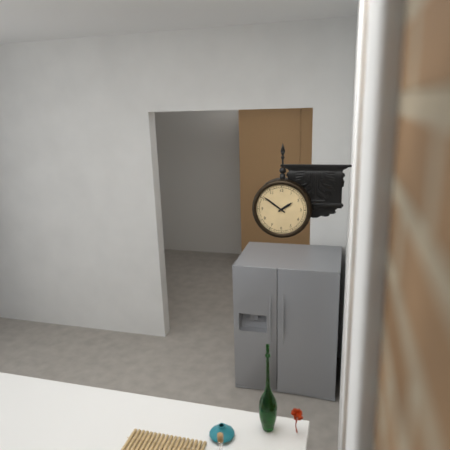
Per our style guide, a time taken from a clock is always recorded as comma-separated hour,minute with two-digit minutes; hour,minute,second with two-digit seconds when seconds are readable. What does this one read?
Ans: 1,51
